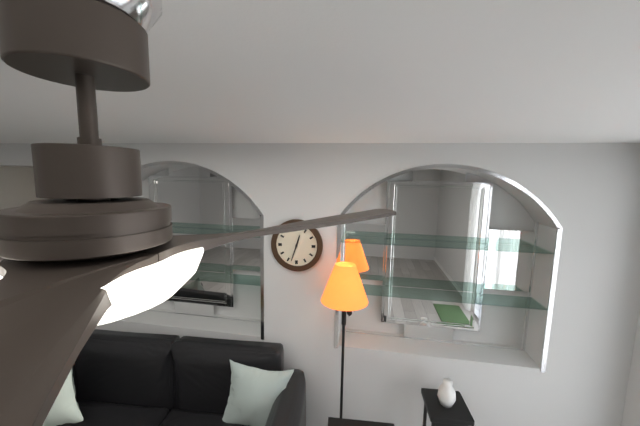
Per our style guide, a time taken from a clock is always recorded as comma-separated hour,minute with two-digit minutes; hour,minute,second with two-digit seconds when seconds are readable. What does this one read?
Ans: 12,33
